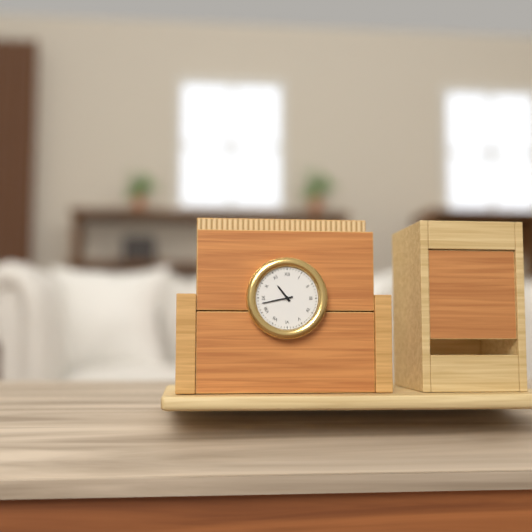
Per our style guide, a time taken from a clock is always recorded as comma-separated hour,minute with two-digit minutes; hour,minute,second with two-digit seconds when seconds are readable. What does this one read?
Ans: 10,43
